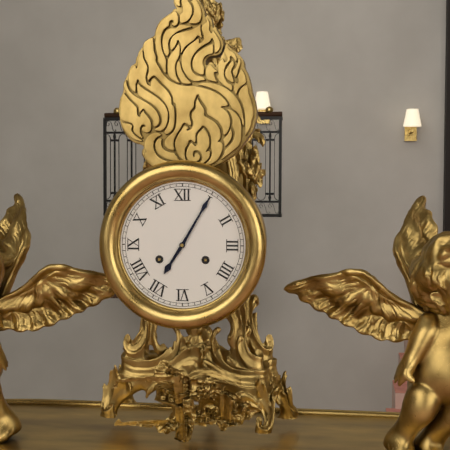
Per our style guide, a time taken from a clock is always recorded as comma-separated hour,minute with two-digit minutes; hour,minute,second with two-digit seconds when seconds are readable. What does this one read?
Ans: 7,05
